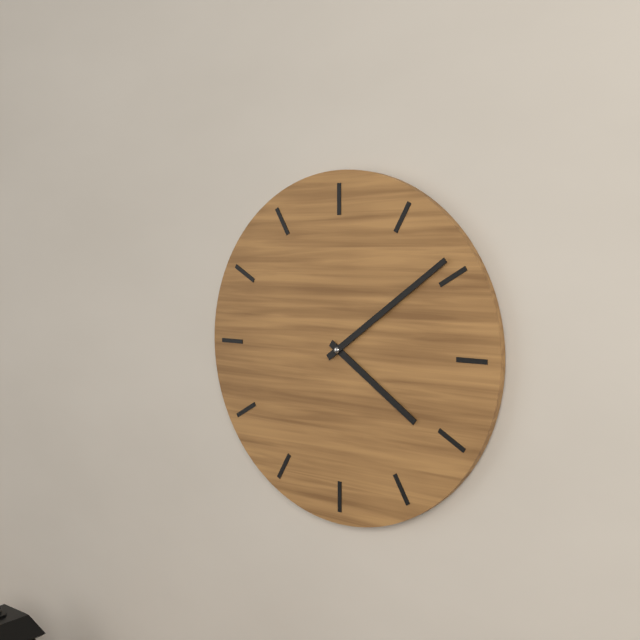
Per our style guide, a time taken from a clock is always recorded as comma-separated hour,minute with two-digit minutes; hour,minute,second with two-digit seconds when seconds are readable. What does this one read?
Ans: 4,09
